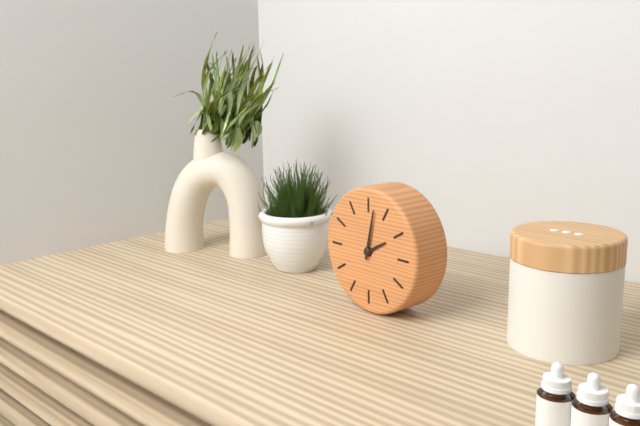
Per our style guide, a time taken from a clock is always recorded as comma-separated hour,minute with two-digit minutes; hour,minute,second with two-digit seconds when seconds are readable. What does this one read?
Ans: 2,02
